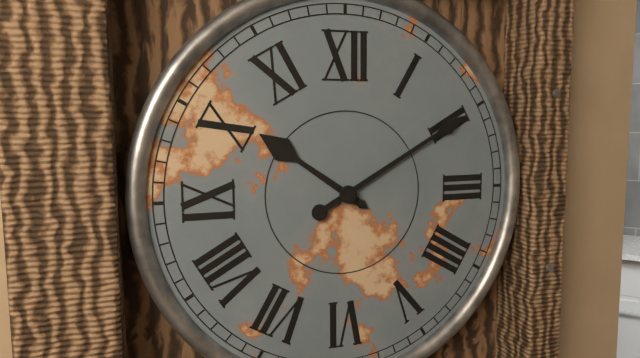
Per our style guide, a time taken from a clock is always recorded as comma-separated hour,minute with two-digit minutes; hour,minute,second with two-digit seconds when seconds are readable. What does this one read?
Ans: 10,10
